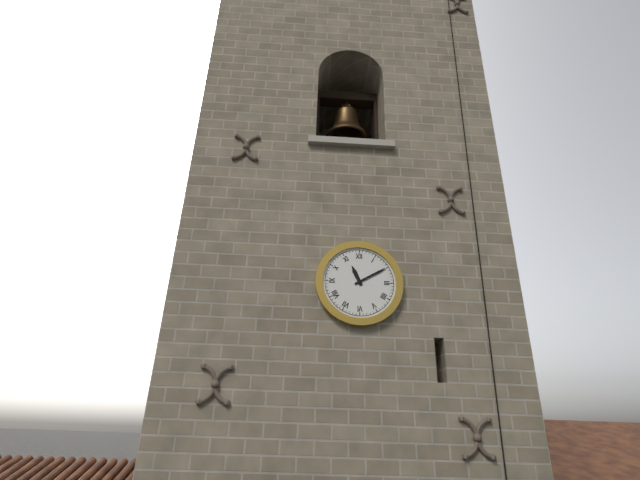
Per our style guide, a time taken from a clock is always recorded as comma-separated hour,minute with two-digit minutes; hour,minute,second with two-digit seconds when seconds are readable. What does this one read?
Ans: 11,10
